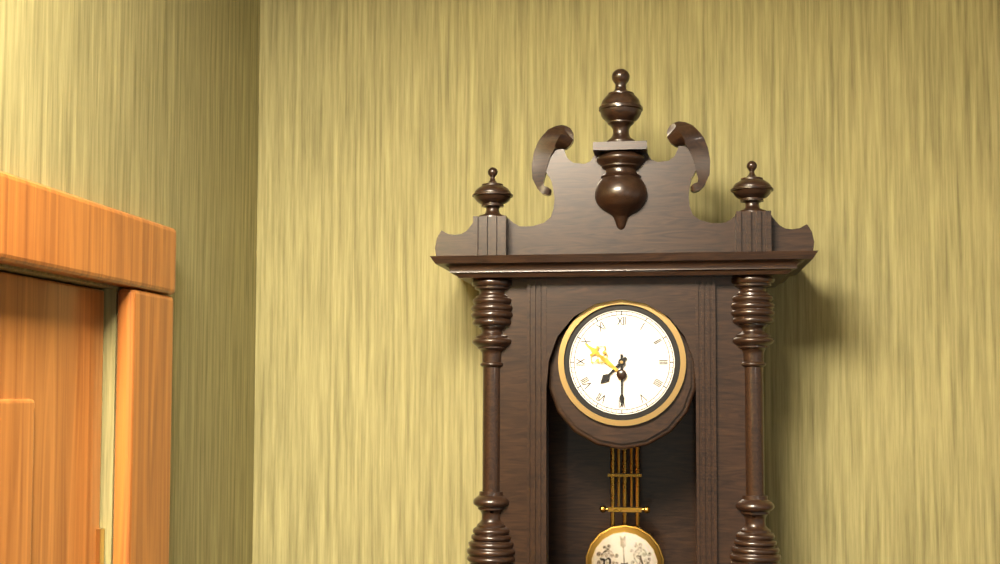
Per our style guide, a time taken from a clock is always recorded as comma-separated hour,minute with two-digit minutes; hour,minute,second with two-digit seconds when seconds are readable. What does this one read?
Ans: 7,30
